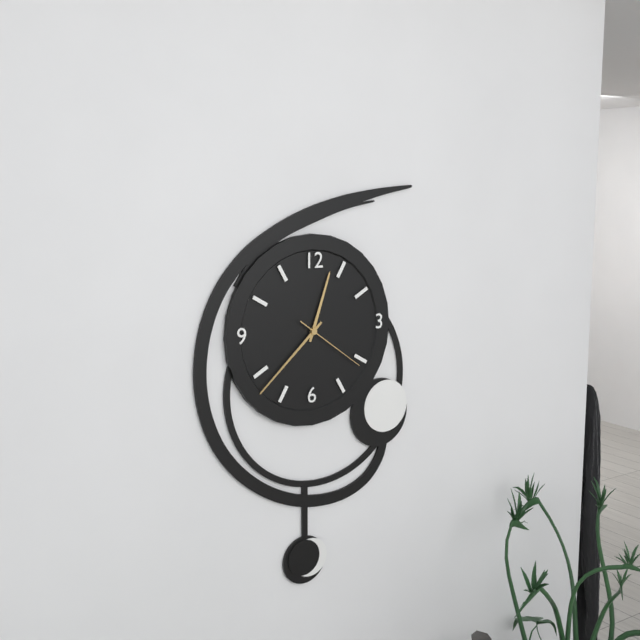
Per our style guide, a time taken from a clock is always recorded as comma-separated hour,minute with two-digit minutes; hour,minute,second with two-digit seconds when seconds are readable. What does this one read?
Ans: 12,38,21
